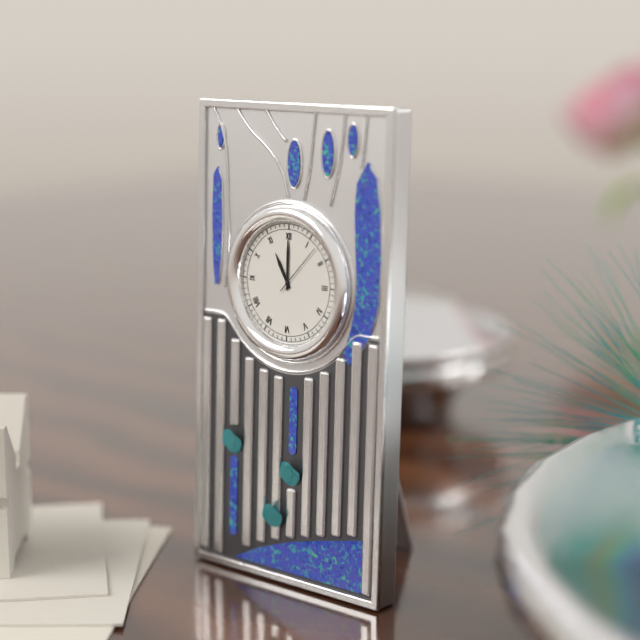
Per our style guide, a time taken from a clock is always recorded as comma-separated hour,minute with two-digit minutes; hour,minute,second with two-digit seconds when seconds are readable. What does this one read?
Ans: 11,00,07
